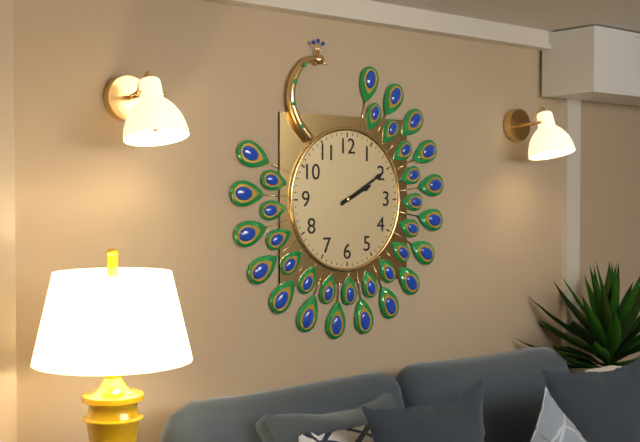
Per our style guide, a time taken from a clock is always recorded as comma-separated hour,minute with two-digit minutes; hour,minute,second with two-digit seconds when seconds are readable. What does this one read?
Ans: 2,10
